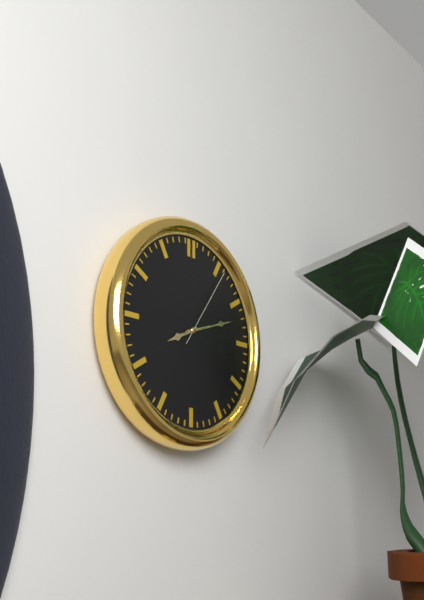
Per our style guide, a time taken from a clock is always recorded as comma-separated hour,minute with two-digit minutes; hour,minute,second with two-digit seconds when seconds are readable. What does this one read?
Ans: 8,12,06
